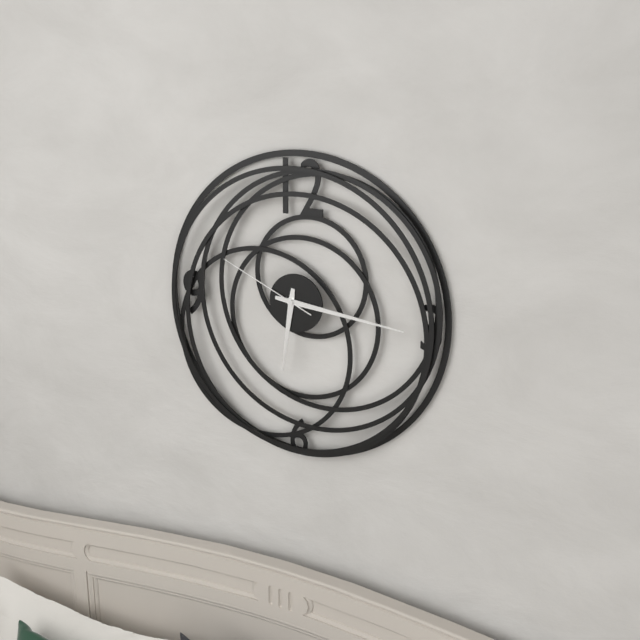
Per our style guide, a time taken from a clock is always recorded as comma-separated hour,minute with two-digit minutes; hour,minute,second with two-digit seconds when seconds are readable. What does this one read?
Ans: 6,16,49
